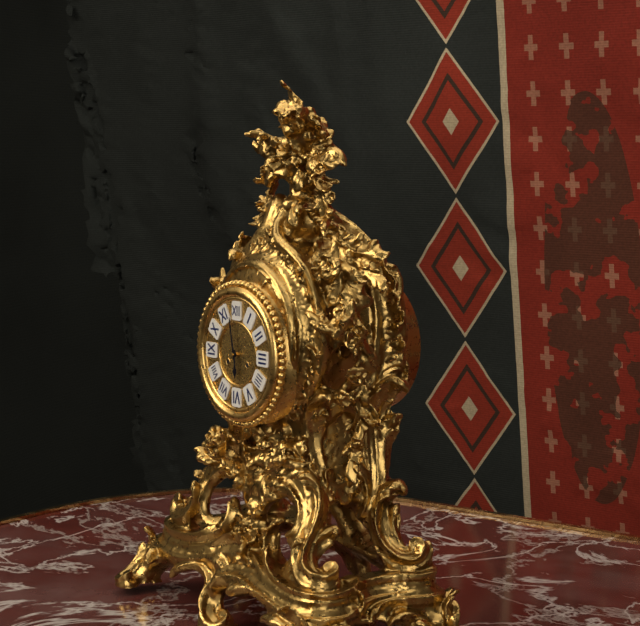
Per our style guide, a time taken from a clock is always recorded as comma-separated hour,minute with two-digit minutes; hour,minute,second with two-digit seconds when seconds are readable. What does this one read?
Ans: 5,58
